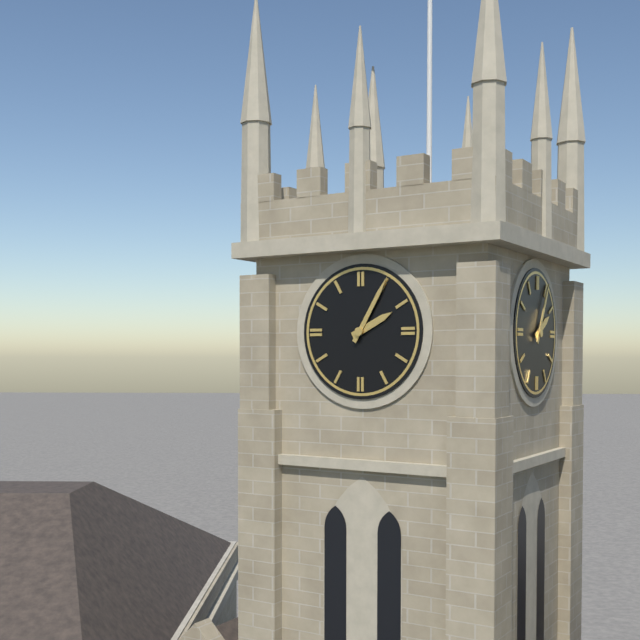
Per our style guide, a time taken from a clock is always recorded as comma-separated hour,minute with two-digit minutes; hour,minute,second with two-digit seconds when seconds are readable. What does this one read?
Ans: 2,05
